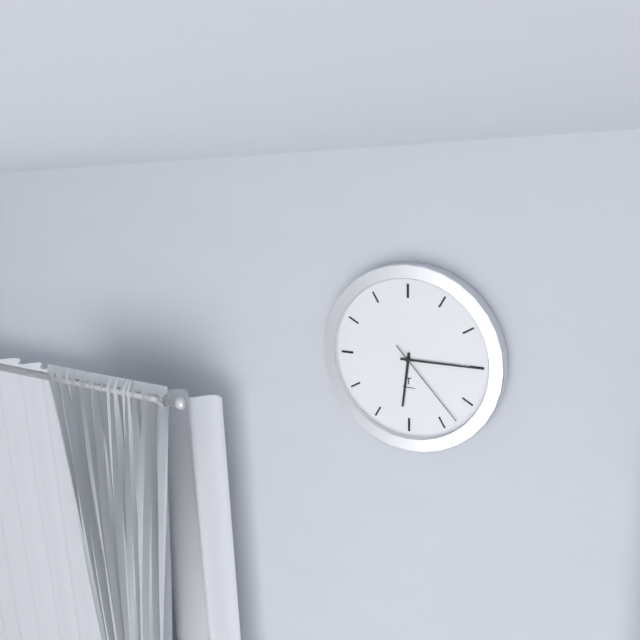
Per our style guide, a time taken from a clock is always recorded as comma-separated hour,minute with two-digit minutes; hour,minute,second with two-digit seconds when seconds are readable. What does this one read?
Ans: 6,15,23
